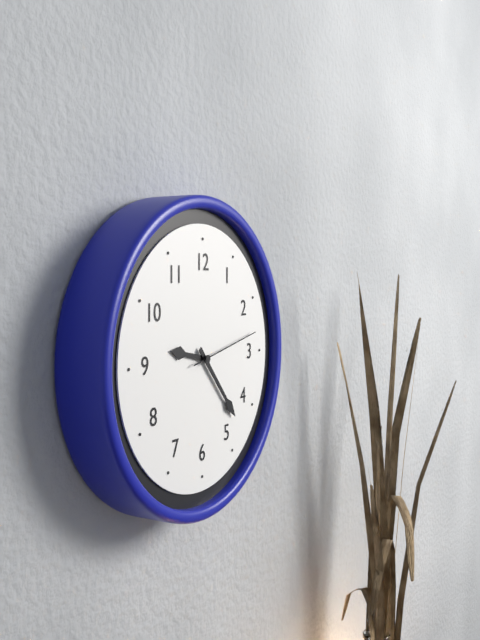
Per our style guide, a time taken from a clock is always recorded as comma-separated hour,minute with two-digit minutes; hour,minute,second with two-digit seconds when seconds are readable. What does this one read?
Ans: 9,23,13
